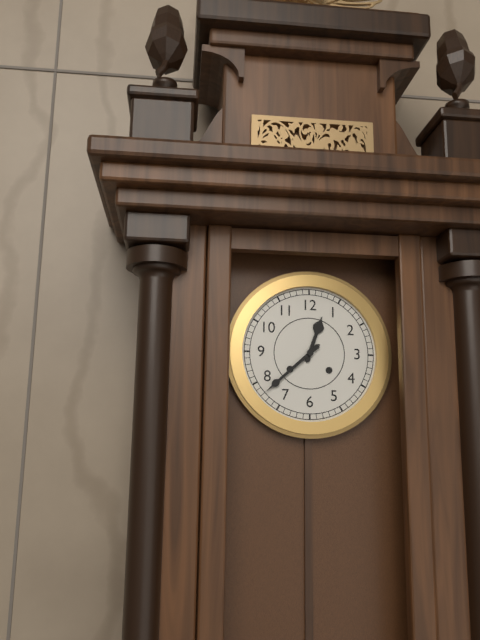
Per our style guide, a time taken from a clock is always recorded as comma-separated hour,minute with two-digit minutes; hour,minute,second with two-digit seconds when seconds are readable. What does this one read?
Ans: 12,38
